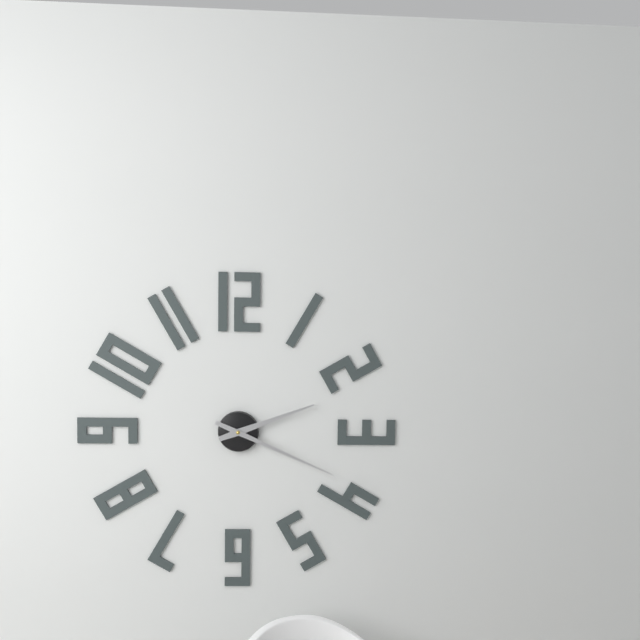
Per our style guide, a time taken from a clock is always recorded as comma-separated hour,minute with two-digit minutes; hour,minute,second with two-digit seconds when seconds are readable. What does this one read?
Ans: 2,19
